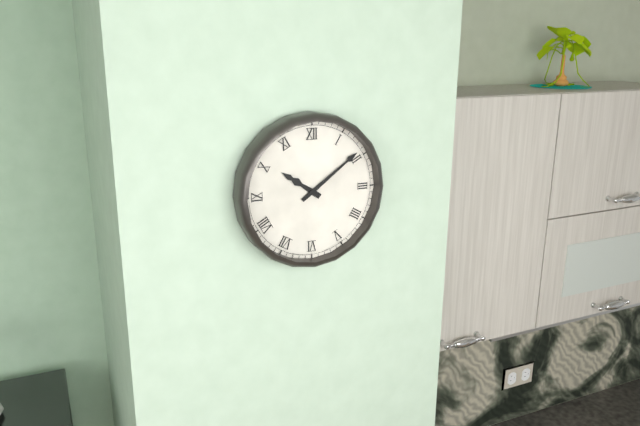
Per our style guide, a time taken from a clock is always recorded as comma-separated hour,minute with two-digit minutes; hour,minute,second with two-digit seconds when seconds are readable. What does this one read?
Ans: 10,09
